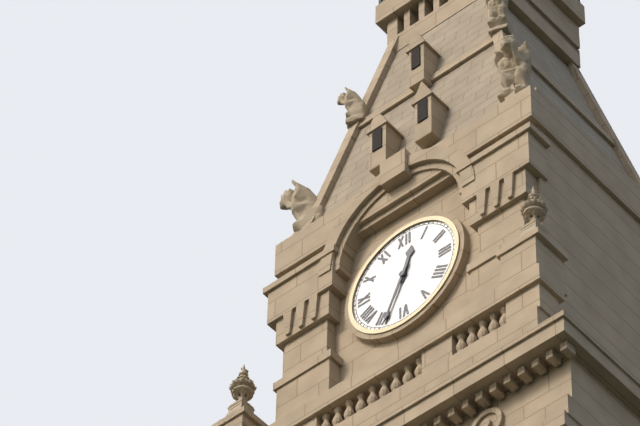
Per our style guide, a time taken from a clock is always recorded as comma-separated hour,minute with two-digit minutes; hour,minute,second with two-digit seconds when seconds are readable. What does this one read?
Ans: 12,34
